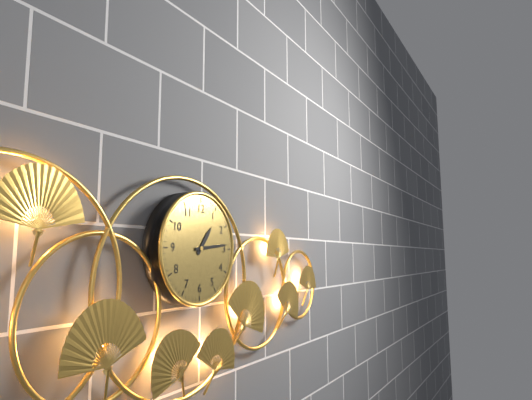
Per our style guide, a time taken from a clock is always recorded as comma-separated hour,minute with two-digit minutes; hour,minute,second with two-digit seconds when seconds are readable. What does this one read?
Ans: 1,14
